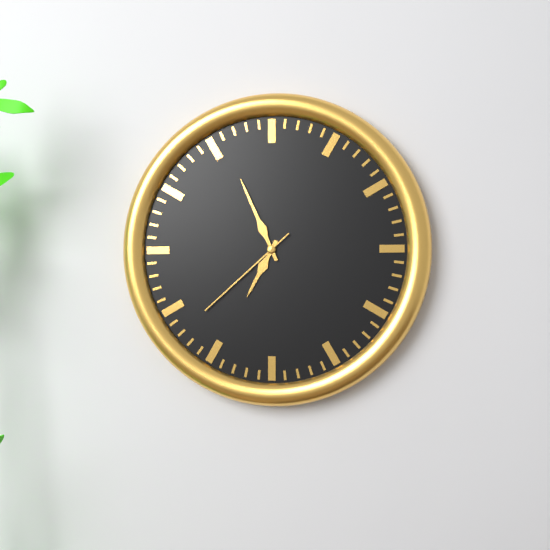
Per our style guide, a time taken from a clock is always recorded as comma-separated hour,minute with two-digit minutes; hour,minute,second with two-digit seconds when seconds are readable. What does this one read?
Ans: 6,56,38
